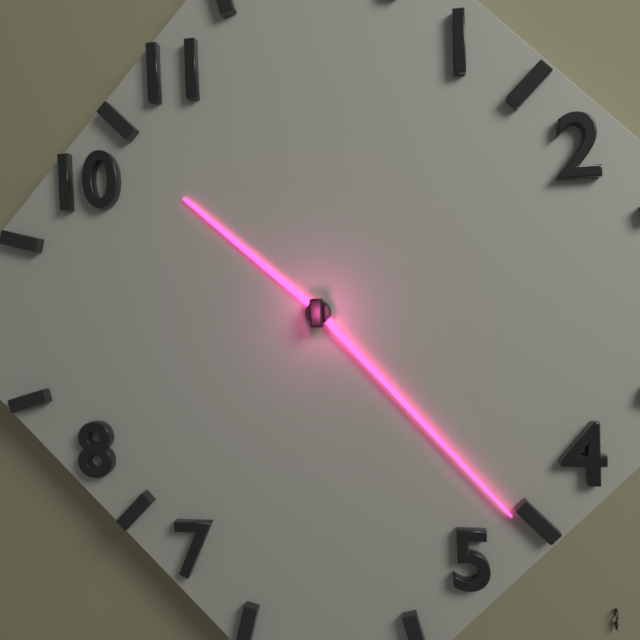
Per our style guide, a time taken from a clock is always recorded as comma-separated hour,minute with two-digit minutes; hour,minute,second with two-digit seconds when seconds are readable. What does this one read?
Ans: 10,23
